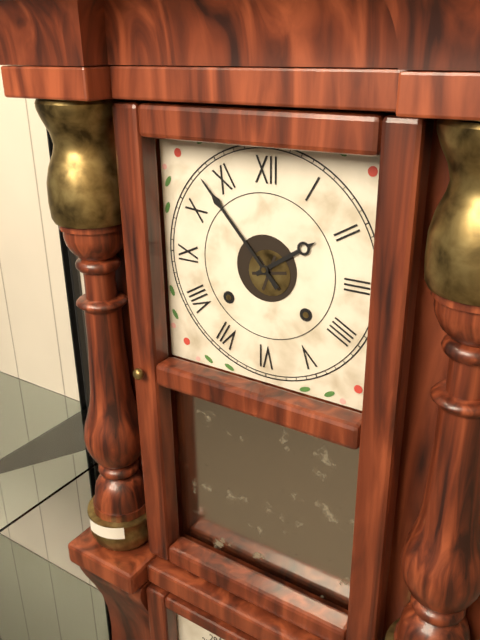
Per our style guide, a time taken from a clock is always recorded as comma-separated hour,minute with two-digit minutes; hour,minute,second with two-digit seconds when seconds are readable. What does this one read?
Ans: 1,53
